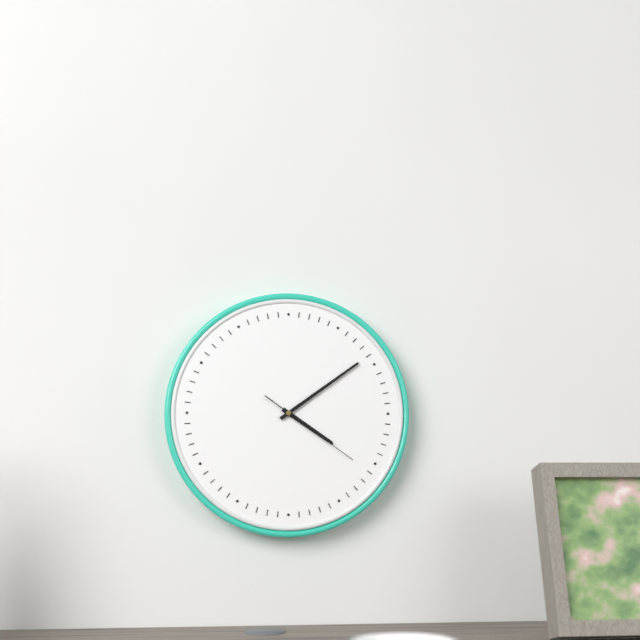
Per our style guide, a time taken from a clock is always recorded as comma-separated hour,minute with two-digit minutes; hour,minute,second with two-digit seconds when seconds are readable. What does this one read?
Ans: 4,09,21
